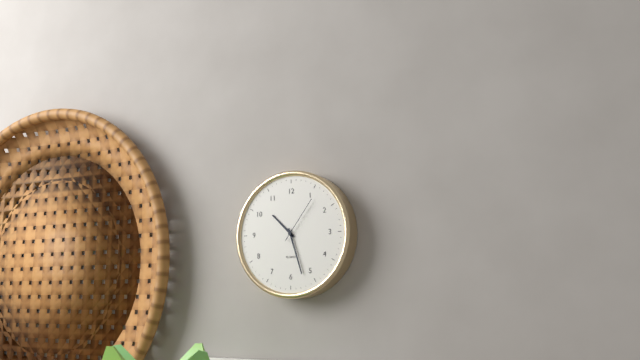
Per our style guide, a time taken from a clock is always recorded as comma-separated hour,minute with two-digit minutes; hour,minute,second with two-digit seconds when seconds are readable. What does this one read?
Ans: 10,27,06
